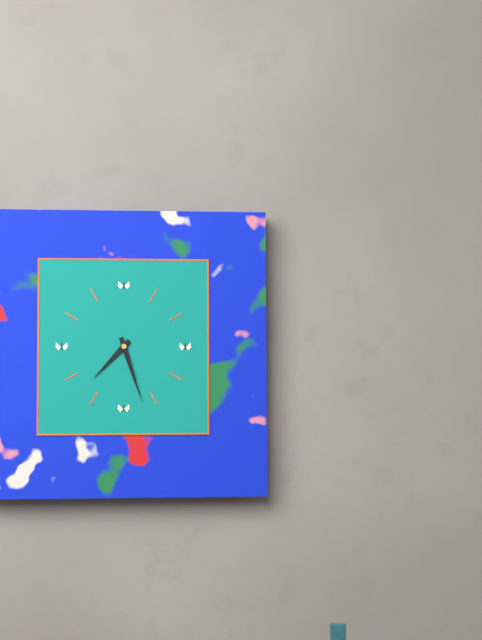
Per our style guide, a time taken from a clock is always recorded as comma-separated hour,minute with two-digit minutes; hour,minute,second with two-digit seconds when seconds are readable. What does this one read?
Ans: 7,27
